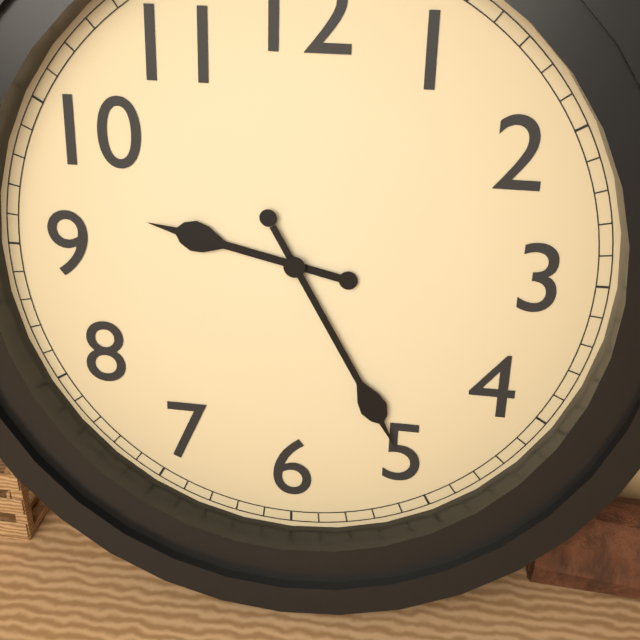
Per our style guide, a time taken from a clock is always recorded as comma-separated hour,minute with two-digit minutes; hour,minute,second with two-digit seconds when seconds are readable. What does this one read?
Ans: 9,25
